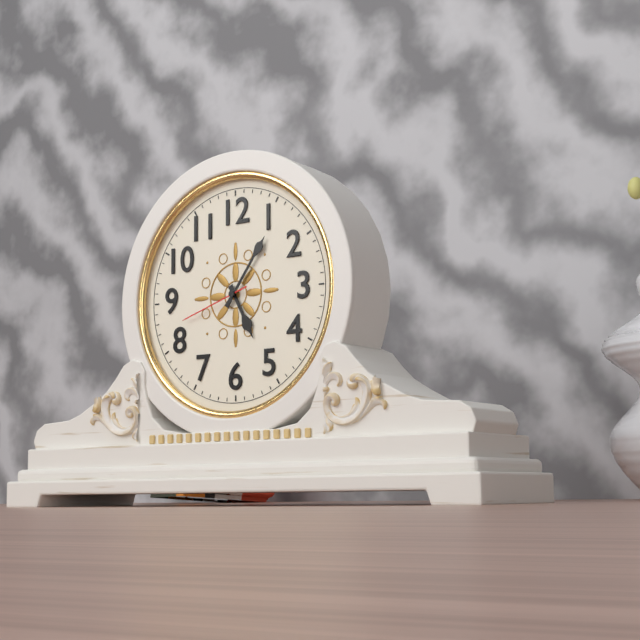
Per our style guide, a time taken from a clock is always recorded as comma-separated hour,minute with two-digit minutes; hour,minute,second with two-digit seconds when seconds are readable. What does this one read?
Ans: 5,06,42
